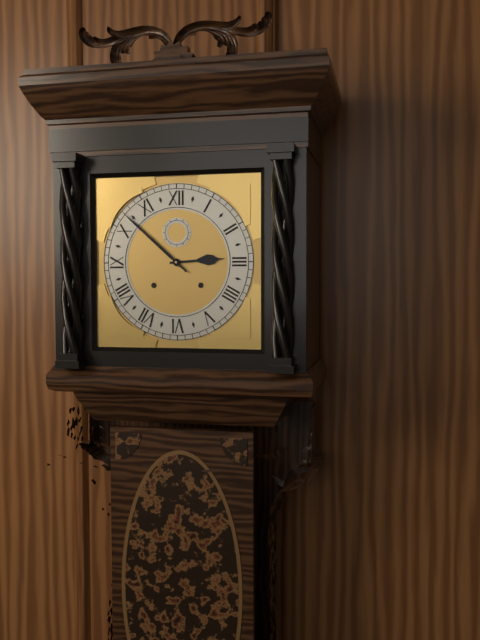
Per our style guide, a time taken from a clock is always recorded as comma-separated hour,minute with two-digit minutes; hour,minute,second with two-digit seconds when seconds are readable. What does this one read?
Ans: 2,52
